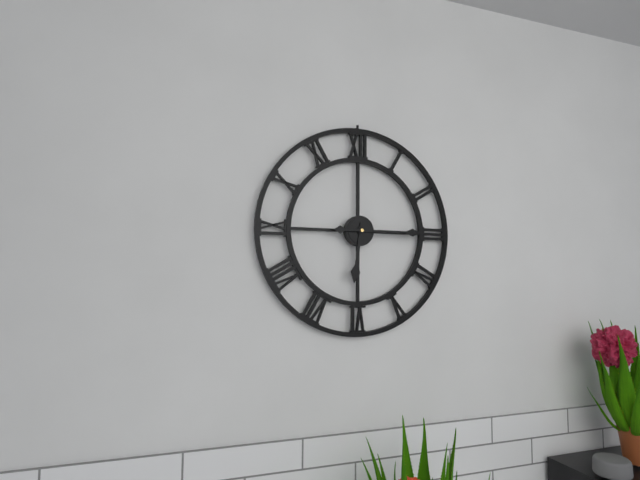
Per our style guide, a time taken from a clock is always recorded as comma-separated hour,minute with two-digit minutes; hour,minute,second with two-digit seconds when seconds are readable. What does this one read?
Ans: 6,15
